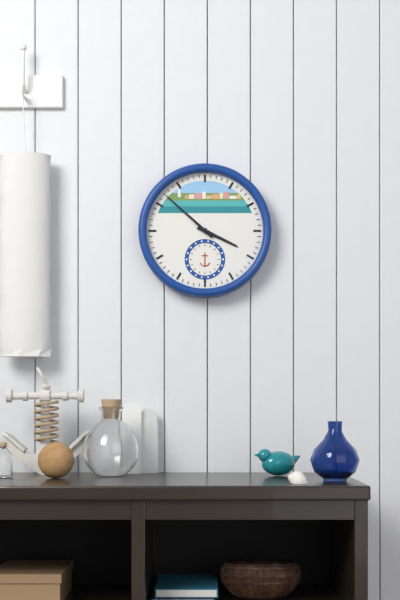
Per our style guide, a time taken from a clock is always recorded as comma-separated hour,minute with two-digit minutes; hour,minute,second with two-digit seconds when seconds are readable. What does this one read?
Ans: 3,52
